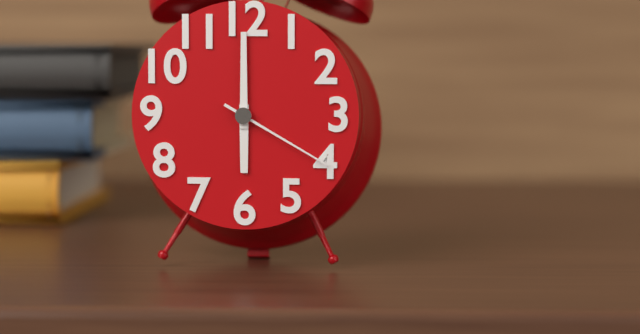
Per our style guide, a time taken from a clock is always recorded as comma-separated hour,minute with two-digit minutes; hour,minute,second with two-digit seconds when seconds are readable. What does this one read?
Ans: 6,00,20
